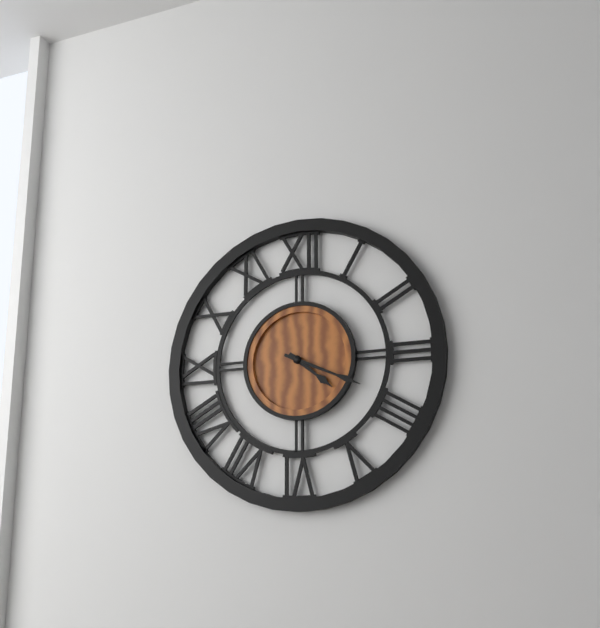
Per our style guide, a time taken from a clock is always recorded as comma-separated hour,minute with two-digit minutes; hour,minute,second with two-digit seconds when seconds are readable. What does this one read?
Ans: 4,19
